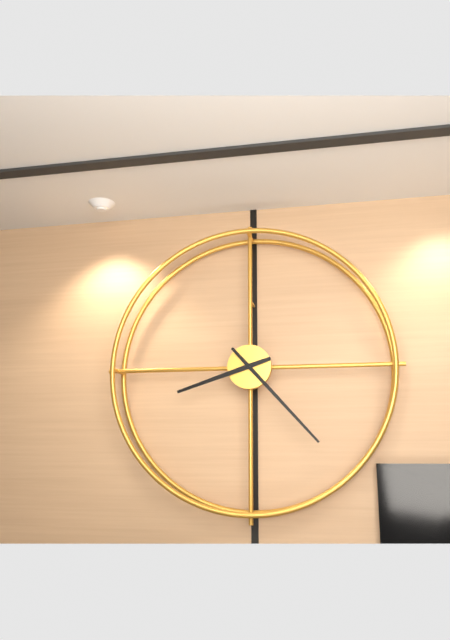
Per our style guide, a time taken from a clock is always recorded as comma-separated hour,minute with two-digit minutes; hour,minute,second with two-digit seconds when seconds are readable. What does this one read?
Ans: 8,23
